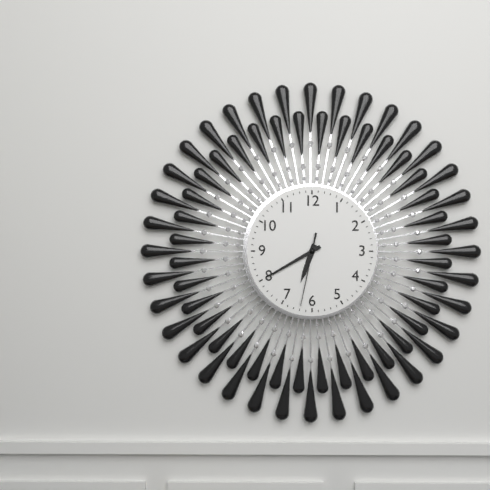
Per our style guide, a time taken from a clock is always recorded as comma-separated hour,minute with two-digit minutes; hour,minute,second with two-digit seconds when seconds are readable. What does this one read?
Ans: 6,40,32
